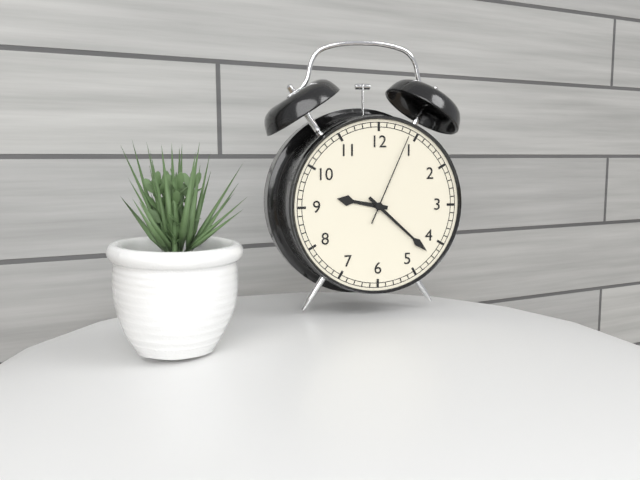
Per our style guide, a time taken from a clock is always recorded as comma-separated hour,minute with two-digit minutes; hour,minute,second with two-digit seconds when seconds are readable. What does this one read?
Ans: 9,22,04
